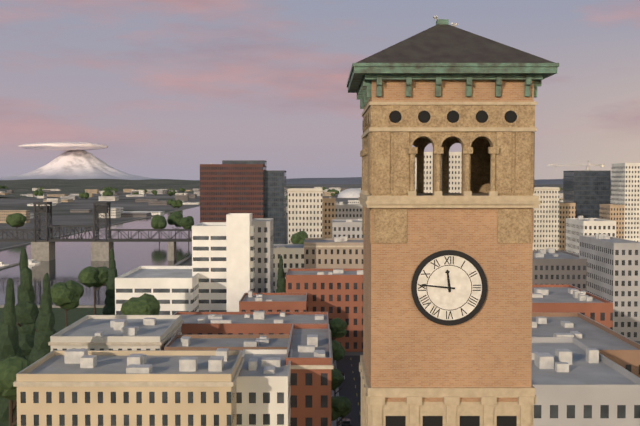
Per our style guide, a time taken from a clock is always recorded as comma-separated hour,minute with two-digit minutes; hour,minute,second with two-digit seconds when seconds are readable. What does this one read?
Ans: 11,46
